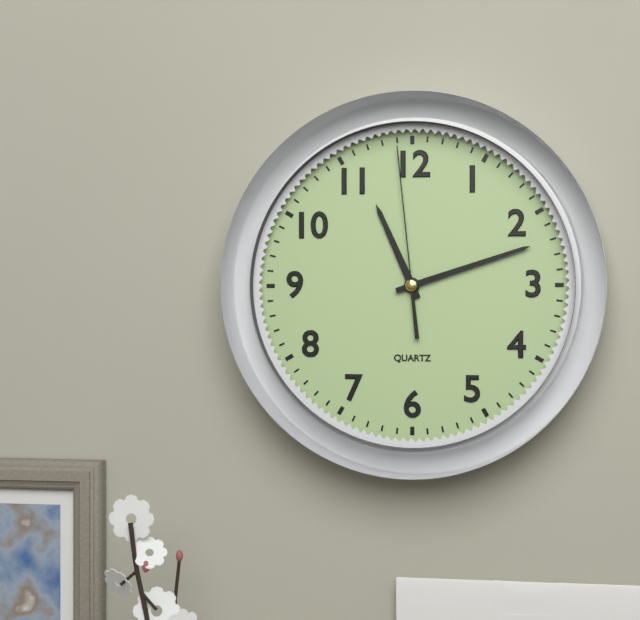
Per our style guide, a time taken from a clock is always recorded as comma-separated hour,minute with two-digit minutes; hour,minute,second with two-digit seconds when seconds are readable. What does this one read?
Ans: 11,12,59
